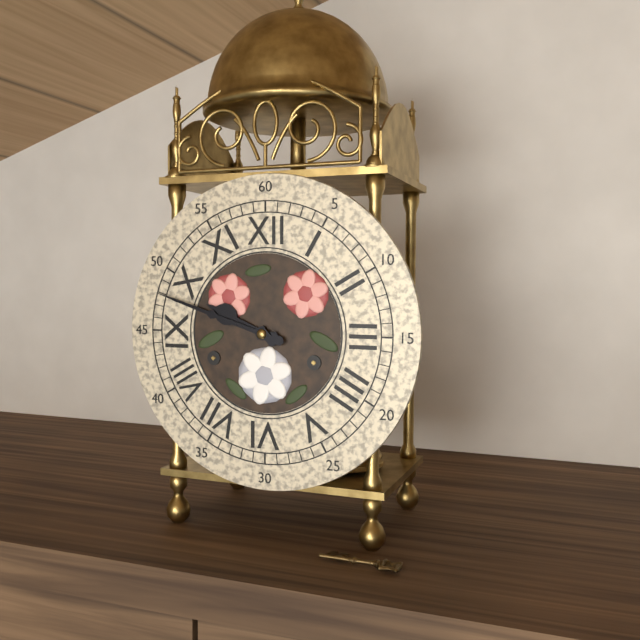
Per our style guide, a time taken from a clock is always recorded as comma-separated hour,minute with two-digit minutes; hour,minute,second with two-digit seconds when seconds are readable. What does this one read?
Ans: 9,48
